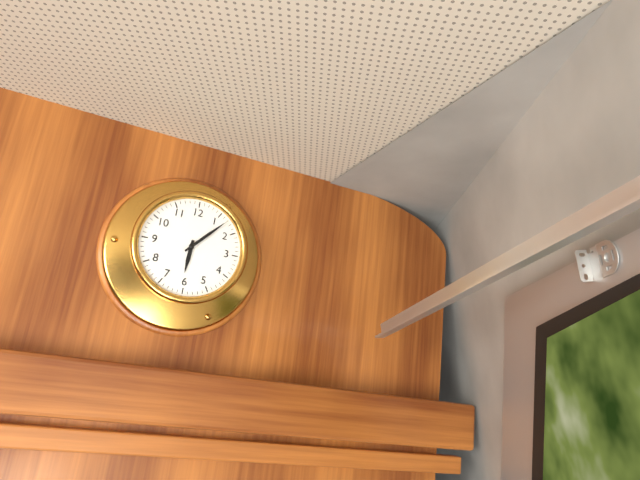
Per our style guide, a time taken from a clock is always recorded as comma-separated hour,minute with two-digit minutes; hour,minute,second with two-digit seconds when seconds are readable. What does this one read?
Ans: 6,07
